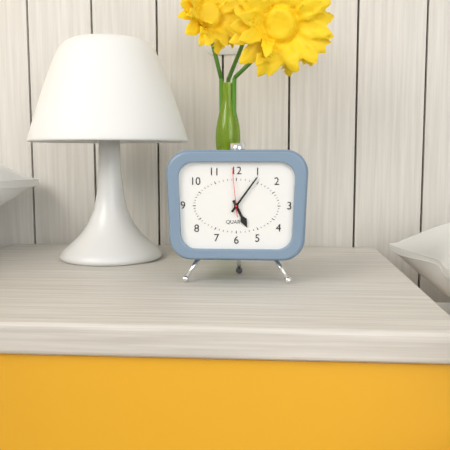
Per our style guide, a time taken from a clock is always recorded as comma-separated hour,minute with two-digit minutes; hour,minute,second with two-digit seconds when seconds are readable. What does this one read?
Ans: 5,06
